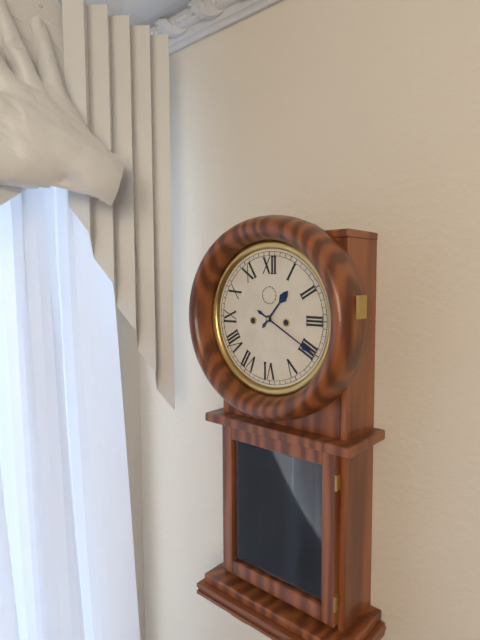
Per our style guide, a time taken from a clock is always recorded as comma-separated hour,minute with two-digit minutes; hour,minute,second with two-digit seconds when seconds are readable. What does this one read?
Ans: 1,20
